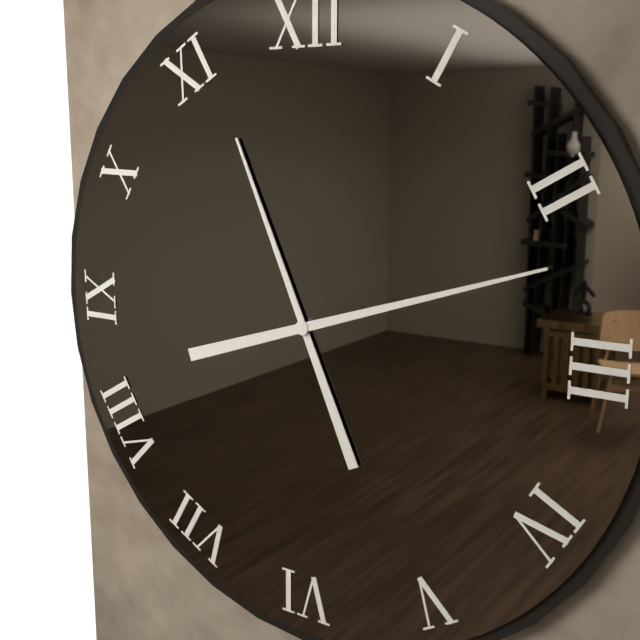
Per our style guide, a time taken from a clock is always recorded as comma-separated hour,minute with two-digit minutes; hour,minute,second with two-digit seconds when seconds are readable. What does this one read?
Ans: 11,12
